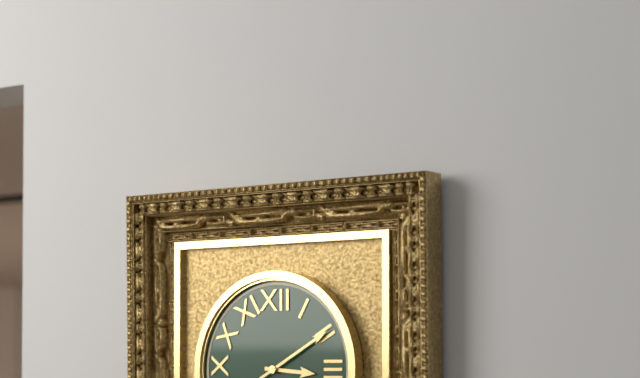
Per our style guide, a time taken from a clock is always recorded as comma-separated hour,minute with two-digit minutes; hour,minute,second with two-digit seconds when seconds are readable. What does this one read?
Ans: 3,10
